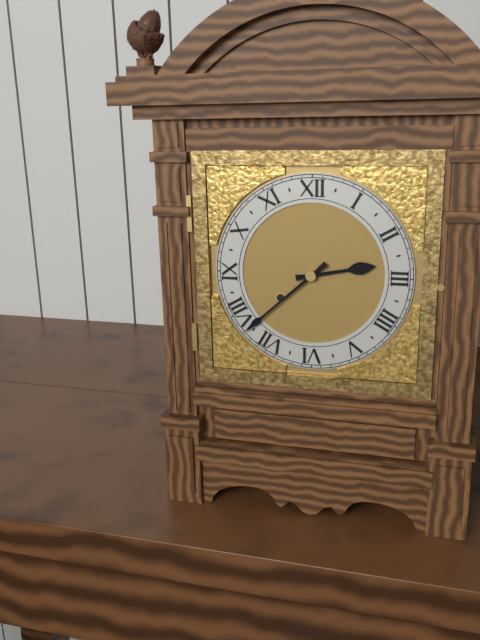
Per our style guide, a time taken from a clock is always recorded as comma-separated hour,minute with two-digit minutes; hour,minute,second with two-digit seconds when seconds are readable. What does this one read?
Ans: 2,38
